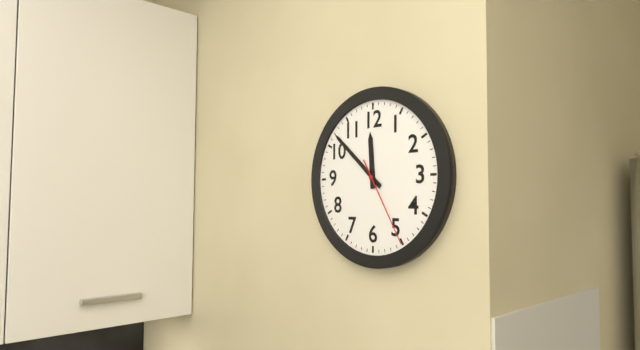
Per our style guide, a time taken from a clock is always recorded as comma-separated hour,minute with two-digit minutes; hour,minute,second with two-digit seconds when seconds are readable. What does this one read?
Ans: 11,52,25
